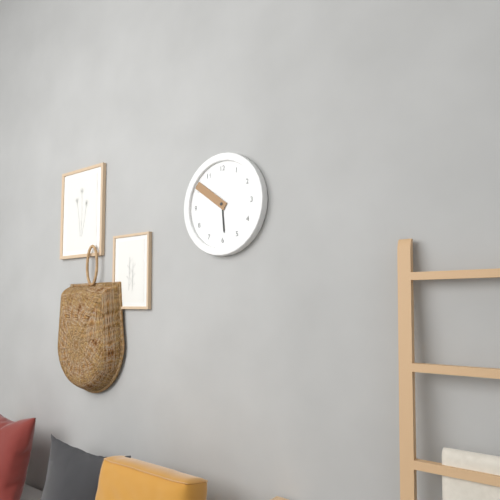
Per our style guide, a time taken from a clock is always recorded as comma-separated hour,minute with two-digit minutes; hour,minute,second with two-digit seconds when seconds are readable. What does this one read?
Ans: 5,51
